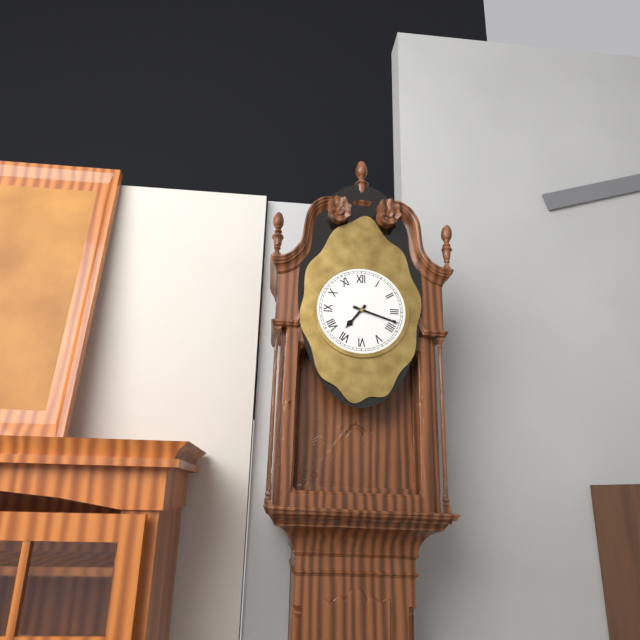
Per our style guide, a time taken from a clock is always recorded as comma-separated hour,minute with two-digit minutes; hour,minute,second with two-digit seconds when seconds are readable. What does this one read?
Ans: 7,18
